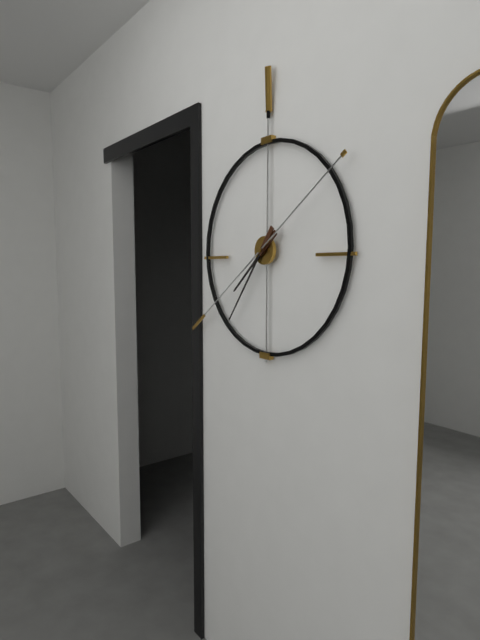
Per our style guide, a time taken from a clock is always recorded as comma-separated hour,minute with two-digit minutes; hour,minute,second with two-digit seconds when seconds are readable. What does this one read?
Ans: 7,36,39
